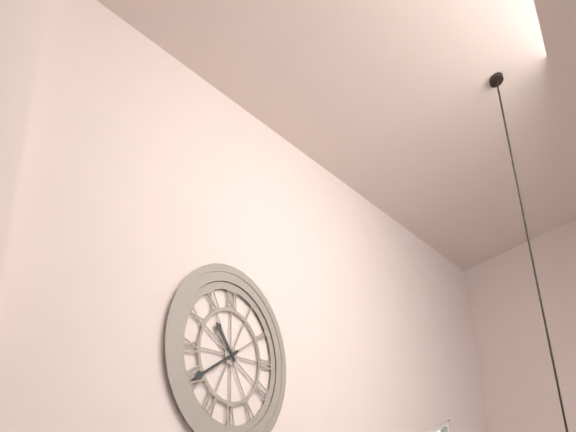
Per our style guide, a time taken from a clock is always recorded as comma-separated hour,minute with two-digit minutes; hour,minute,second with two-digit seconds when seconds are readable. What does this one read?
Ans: 10,40
